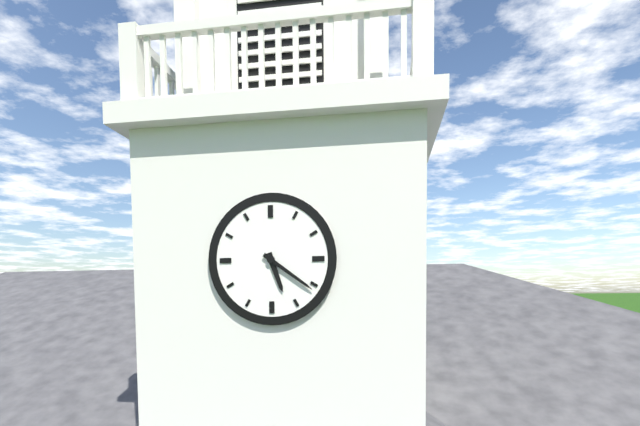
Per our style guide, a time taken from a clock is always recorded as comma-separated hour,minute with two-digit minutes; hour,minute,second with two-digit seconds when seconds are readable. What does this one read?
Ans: 5,21
